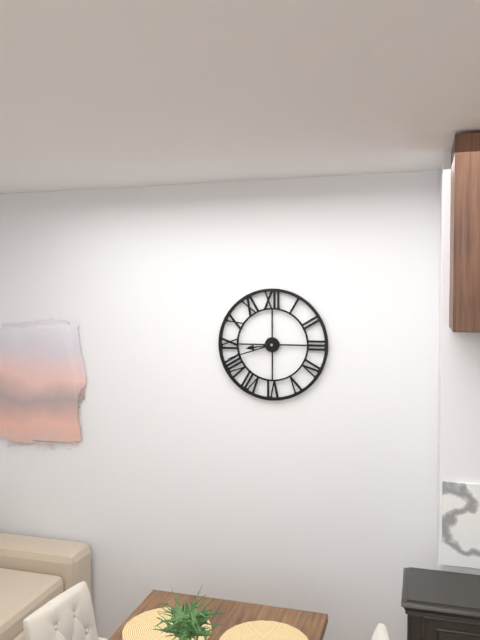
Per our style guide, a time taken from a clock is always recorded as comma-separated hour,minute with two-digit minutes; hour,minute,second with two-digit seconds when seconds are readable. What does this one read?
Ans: 8,42
